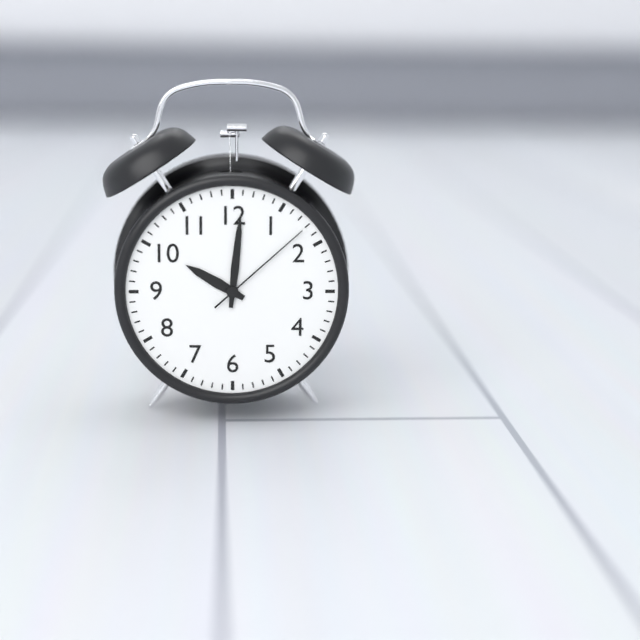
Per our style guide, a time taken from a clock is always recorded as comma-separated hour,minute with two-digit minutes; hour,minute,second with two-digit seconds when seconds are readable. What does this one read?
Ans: 10,01,08
